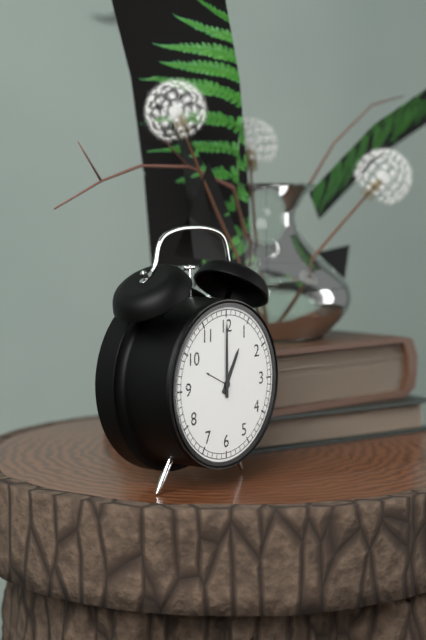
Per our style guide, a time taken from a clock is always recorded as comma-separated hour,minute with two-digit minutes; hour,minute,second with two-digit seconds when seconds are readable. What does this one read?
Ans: 1,00
